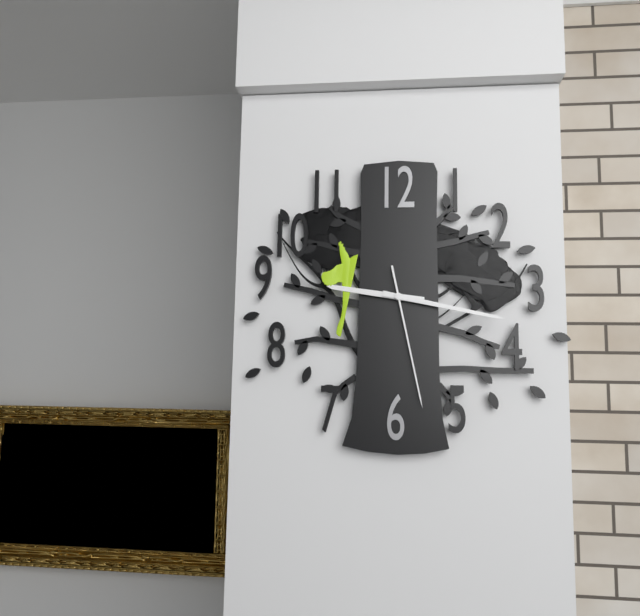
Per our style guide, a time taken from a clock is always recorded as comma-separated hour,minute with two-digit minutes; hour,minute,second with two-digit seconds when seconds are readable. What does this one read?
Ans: 9,17,28
